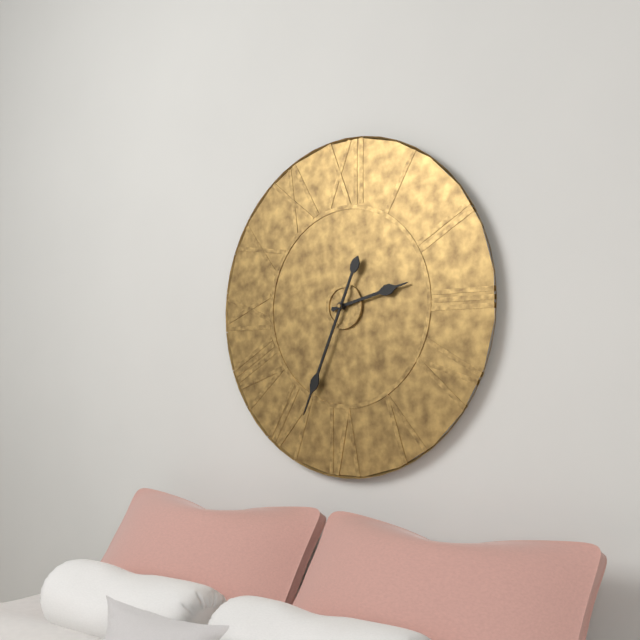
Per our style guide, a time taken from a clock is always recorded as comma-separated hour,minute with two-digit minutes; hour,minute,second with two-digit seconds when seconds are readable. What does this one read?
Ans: 2,34
